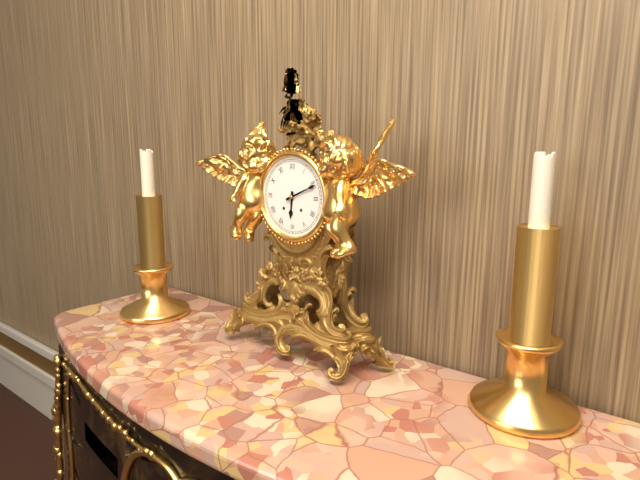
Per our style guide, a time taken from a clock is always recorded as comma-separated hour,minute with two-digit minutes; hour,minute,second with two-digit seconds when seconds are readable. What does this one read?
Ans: 6,11
